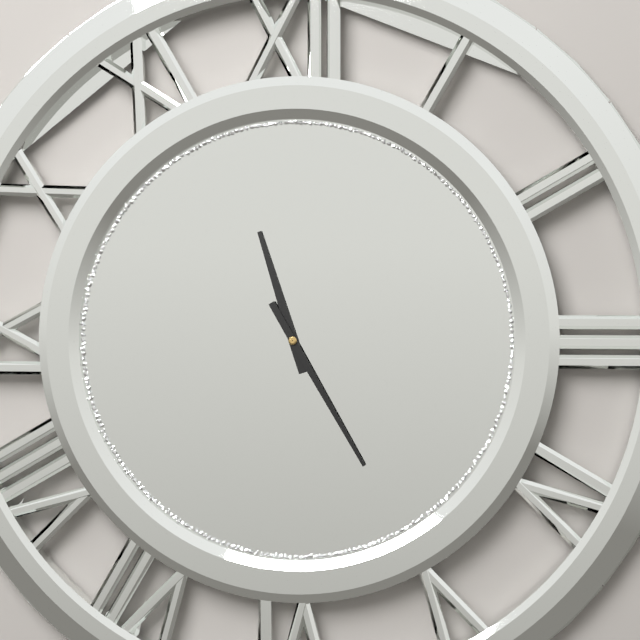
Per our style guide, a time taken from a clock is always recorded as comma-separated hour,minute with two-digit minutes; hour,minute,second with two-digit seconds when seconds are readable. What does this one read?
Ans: 11,25
